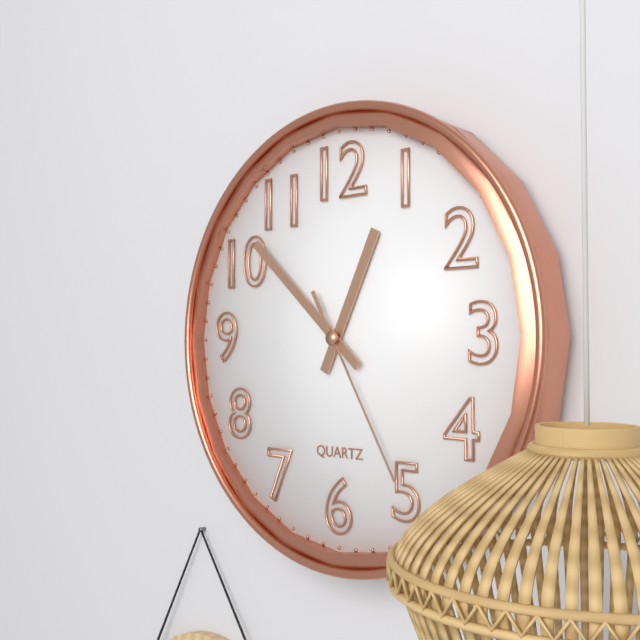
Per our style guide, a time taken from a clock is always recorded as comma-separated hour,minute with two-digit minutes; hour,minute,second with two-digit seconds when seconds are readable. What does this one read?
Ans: 12,52,25
